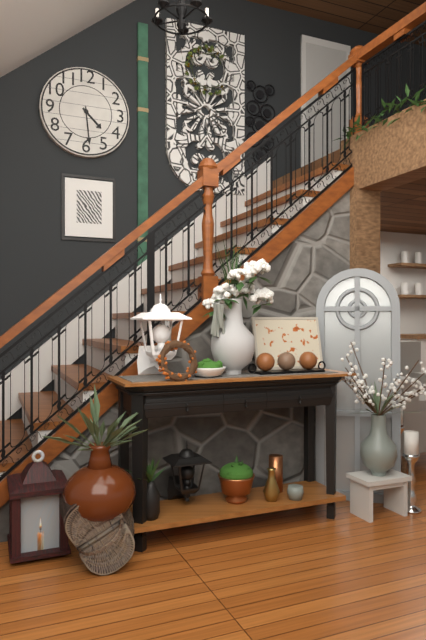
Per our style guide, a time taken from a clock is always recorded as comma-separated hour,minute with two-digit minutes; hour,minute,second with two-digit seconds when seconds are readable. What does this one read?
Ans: 4,29
